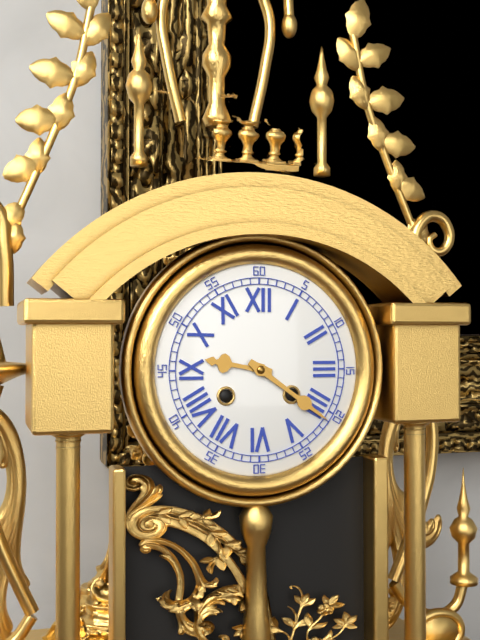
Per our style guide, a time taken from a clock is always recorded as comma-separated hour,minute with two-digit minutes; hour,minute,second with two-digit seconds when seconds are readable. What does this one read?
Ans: 9,21
